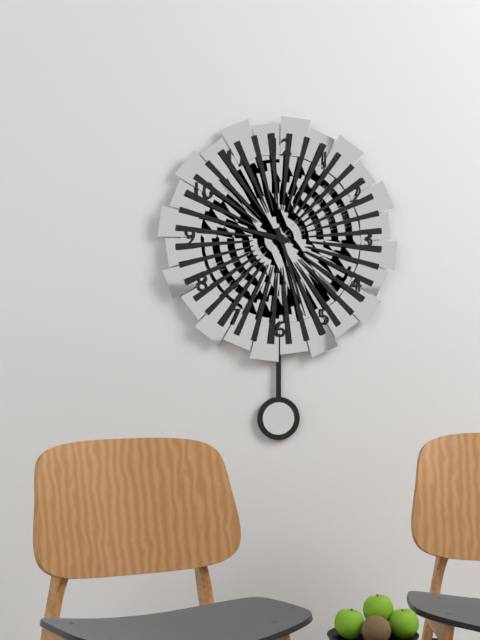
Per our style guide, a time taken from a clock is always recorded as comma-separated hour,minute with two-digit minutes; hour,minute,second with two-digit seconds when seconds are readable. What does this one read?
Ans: 9,27
